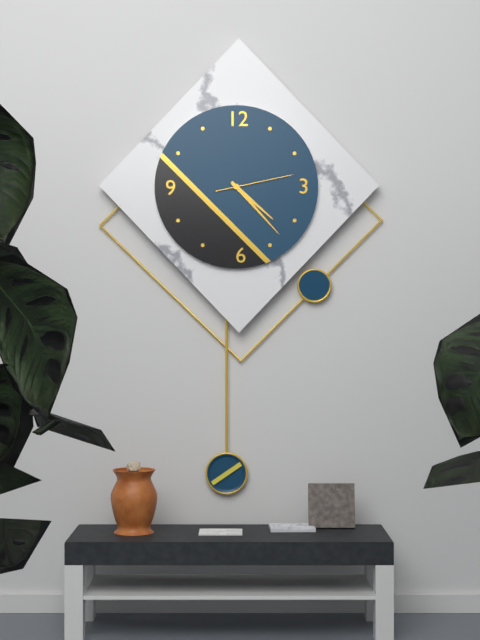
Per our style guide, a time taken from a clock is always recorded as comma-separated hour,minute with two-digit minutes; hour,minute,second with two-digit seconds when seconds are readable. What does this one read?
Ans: 4,23,13
